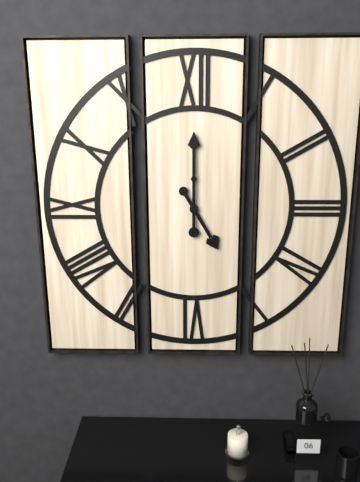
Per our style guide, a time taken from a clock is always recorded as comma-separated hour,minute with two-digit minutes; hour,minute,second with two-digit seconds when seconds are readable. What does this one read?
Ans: 5,00
